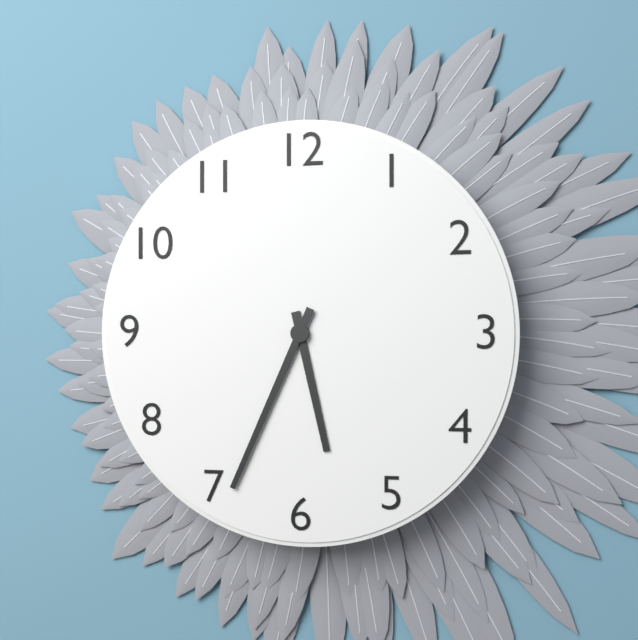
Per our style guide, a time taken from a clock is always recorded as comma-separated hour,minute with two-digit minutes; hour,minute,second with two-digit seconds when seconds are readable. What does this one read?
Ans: 5,34
